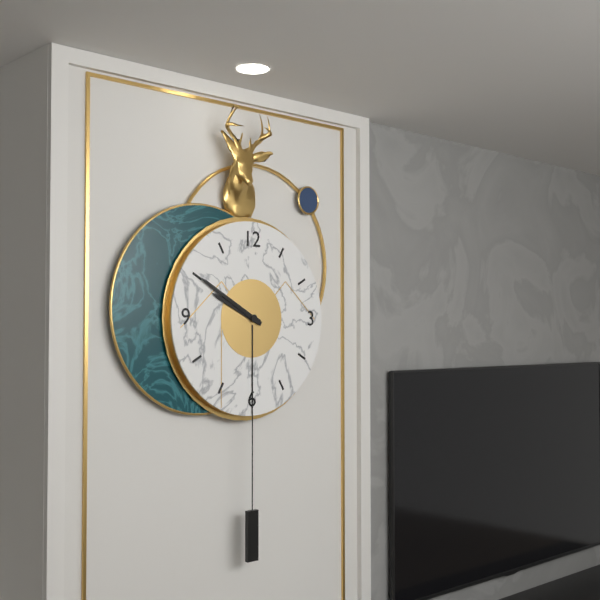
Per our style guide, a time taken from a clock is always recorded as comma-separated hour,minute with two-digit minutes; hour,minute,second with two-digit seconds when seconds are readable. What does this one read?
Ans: 9,50
